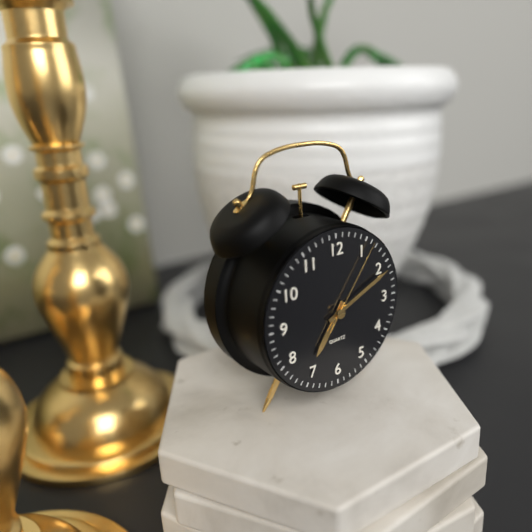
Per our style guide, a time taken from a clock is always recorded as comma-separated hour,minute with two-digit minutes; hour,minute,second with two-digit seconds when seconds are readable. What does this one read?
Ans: 7,11,06
